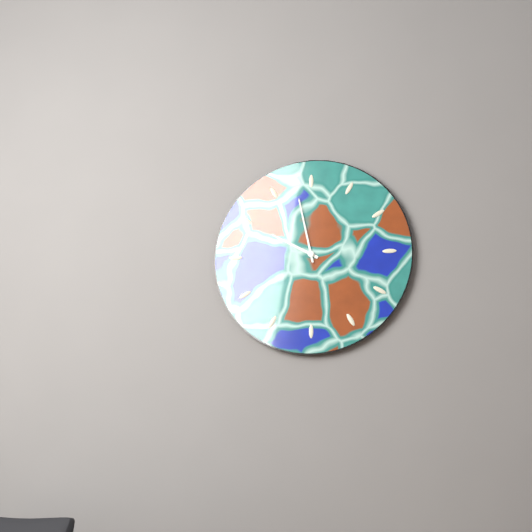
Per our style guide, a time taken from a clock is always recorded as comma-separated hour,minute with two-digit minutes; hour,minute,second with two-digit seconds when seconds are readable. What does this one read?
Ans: 9,58
